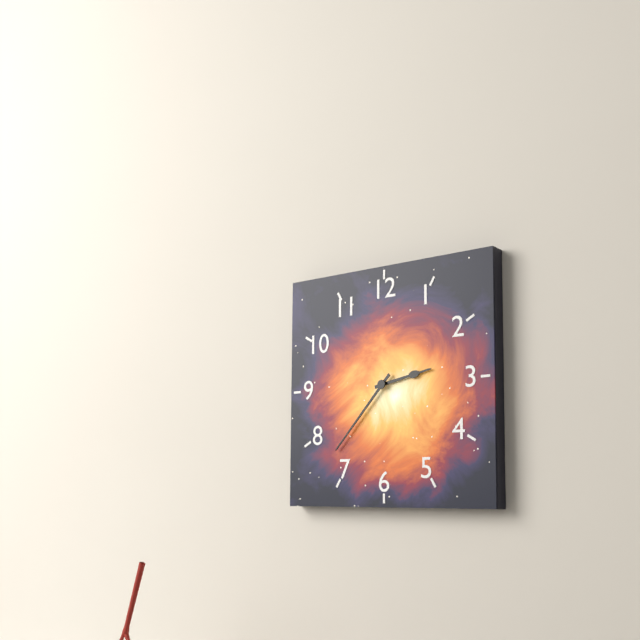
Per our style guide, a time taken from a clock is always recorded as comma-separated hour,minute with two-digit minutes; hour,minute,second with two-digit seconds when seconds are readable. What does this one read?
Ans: 2,37
